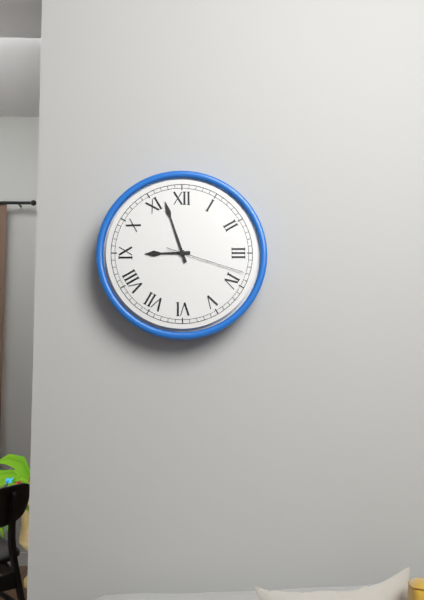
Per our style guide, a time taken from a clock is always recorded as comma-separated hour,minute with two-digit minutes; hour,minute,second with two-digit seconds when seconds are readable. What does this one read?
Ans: 8,57,18
